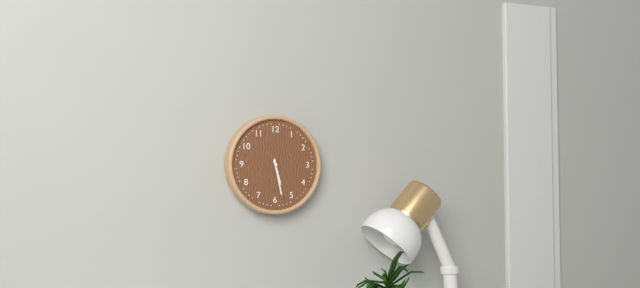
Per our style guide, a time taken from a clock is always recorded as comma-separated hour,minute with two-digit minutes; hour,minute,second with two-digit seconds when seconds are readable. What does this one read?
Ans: 5,28
